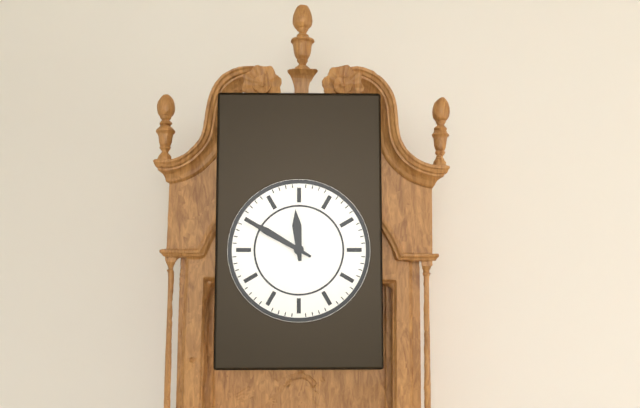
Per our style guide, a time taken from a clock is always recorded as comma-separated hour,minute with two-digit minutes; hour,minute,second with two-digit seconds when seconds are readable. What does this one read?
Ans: 11,50
